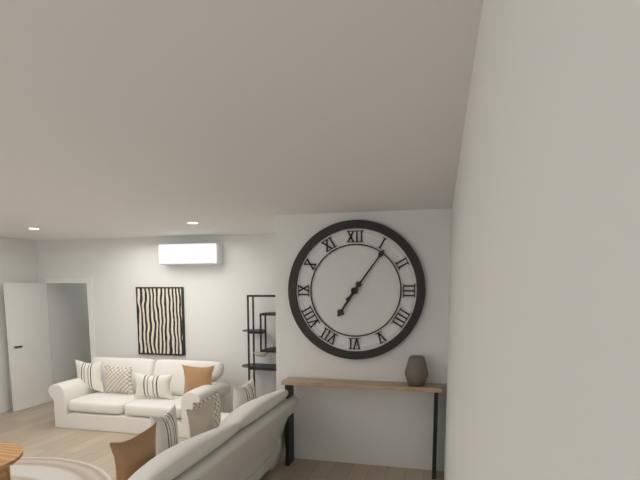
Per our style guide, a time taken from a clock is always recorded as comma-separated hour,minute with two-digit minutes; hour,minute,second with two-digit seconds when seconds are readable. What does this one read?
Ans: 7,06
